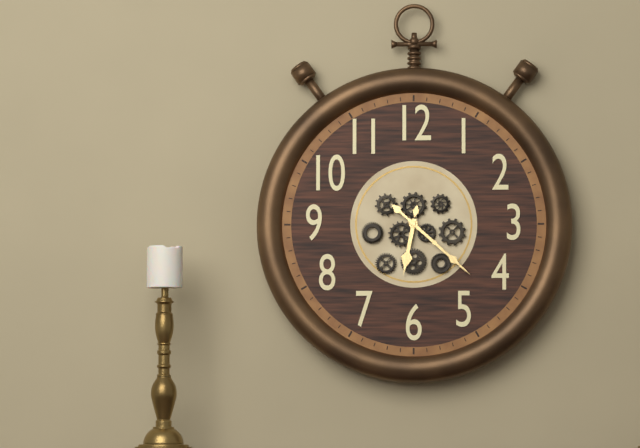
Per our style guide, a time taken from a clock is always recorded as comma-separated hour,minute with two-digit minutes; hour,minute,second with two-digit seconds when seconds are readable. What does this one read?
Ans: 6,22
